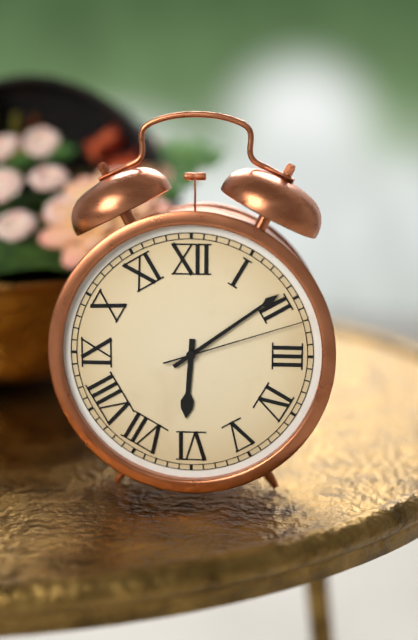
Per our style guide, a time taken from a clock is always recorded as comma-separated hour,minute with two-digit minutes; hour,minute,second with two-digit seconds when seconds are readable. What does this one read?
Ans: 6,09,12
